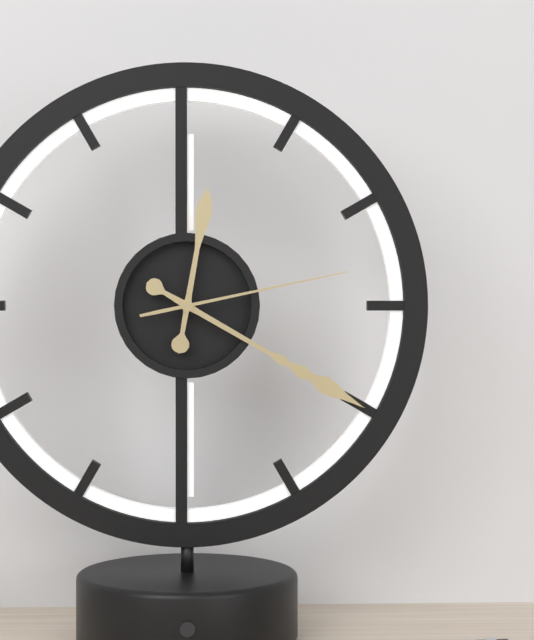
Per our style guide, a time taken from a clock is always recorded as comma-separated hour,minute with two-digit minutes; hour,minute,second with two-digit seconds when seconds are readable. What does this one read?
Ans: 12,20,13
